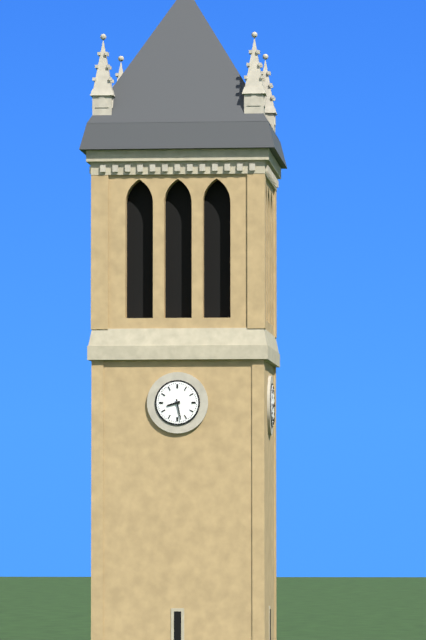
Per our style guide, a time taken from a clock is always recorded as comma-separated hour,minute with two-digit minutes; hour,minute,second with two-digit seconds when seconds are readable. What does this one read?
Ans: 8,28
